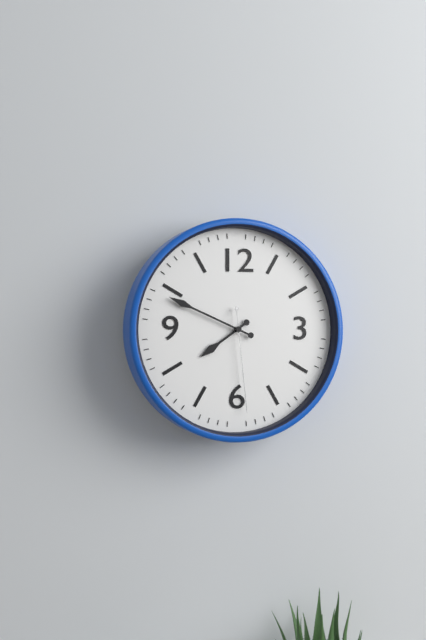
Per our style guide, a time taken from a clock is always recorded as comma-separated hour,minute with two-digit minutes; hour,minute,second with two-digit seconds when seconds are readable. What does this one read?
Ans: 7,49,29
